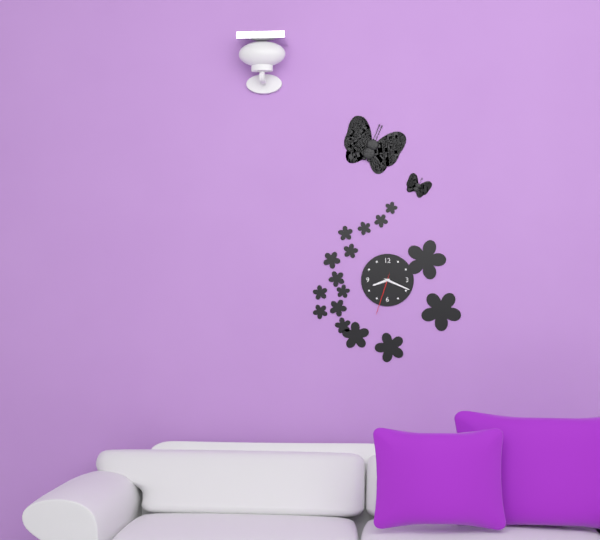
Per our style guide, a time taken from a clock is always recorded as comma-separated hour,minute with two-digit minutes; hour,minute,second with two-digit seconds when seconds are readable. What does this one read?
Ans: 8,19
